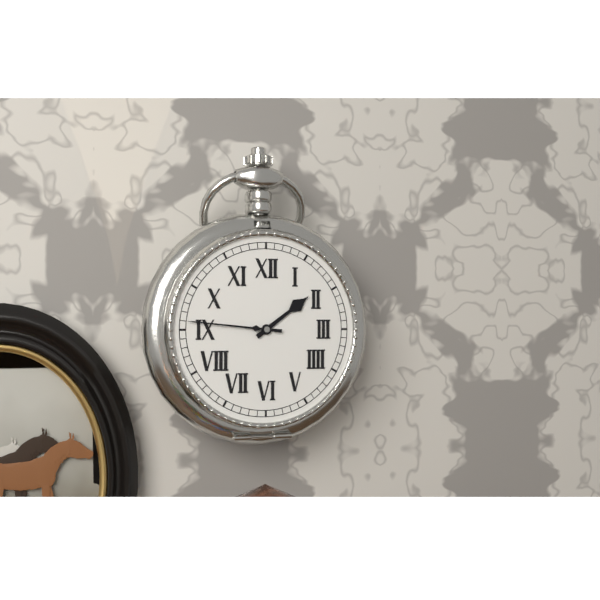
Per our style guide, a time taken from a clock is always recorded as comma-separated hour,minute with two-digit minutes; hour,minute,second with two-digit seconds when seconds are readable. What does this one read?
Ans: 1,46
